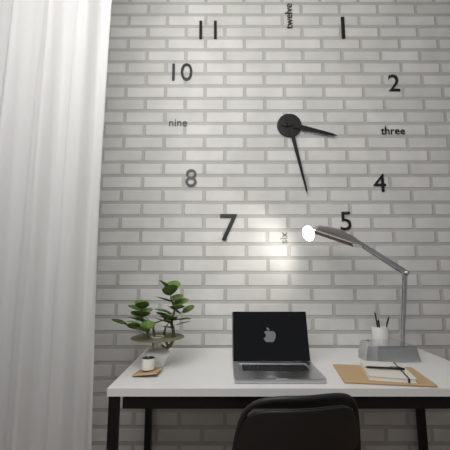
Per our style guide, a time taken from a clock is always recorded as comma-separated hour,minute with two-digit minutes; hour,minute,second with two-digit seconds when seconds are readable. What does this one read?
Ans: 3,28
